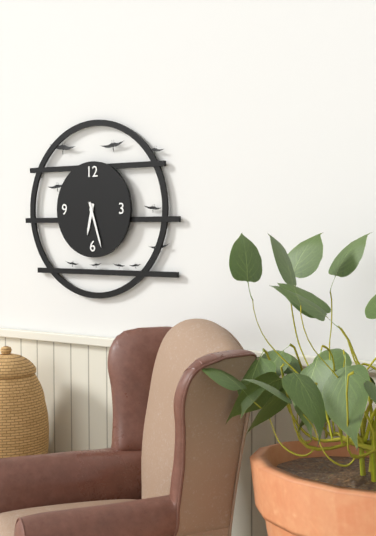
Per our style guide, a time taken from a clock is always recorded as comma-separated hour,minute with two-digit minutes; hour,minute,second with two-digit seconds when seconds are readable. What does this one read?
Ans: 6,27
